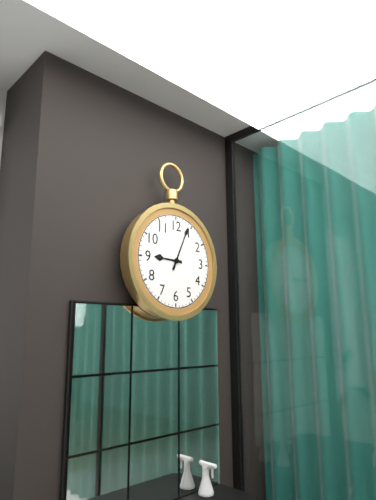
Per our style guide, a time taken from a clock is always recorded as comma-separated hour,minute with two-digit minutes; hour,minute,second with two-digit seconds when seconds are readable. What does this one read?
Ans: 9,04
